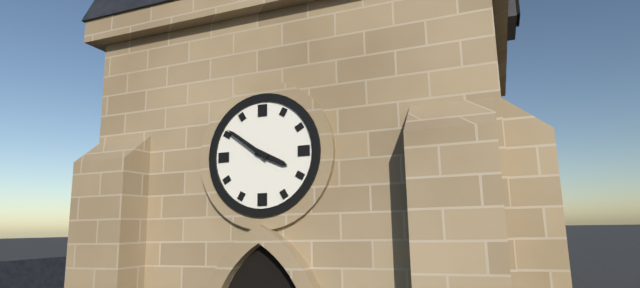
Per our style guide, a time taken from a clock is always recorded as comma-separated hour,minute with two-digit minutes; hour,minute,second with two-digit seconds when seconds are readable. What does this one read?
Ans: 3,51
